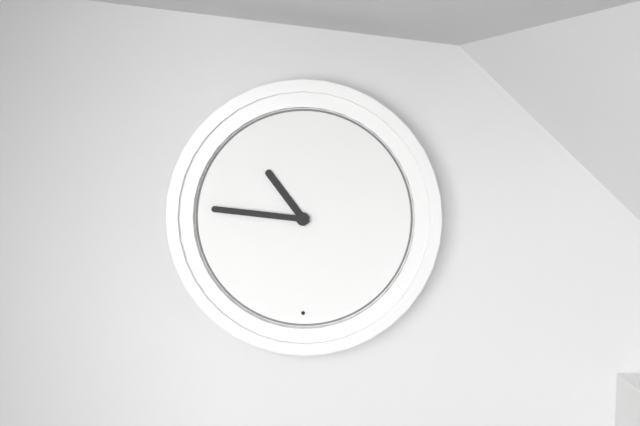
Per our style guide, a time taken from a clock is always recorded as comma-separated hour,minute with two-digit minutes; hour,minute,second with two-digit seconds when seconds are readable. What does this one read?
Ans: 10,46
